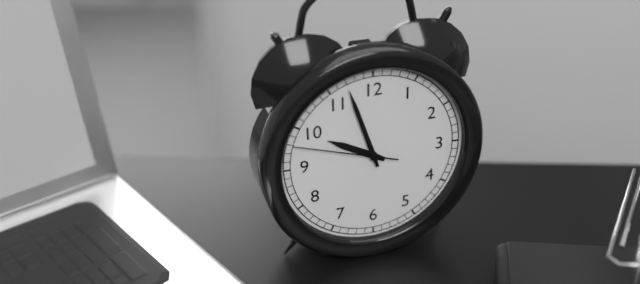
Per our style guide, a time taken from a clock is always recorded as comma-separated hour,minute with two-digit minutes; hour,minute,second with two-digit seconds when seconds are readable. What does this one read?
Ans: 9,57,48
